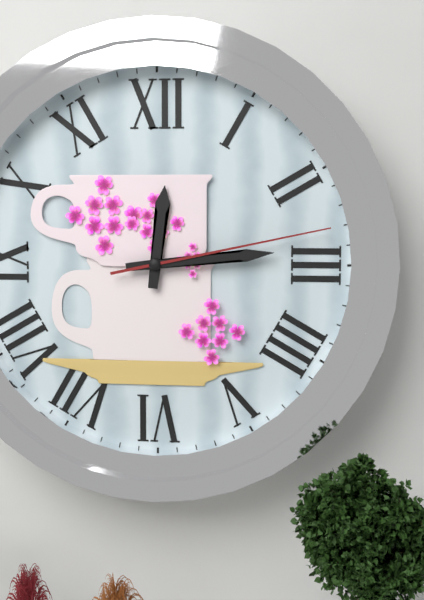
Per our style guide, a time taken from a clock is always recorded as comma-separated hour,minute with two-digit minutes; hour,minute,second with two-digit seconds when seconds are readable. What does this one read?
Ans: 12,14,13
